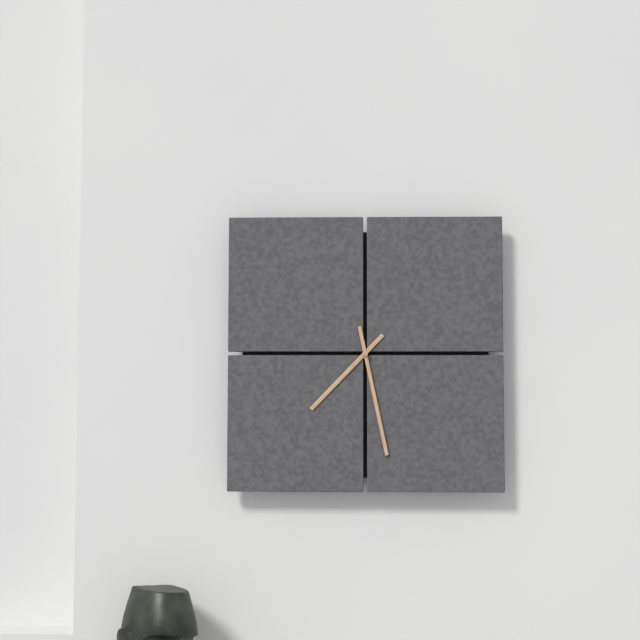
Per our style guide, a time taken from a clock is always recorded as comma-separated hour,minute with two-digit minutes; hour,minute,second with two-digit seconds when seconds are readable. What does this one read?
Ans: 7,28
